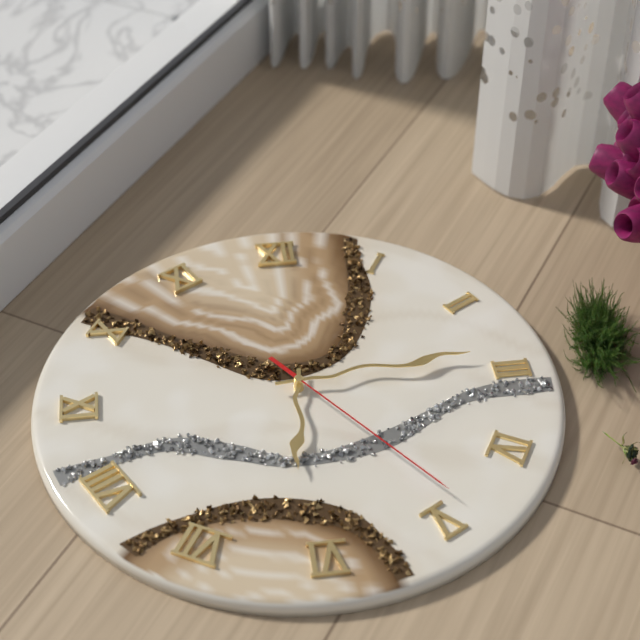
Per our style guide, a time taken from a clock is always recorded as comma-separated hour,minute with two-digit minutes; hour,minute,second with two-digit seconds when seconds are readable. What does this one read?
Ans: 6,14,24
